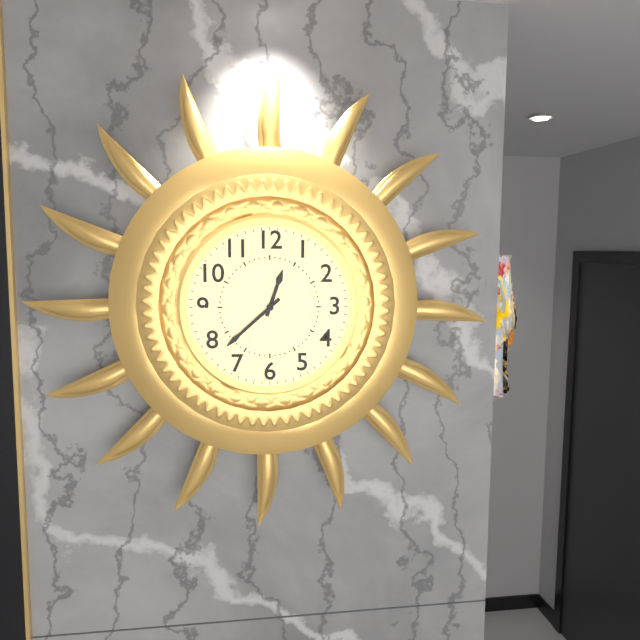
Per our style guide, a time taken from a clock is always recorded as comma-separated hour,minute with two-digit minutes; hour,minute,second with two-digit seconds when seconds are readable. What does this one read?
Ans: 12,38
